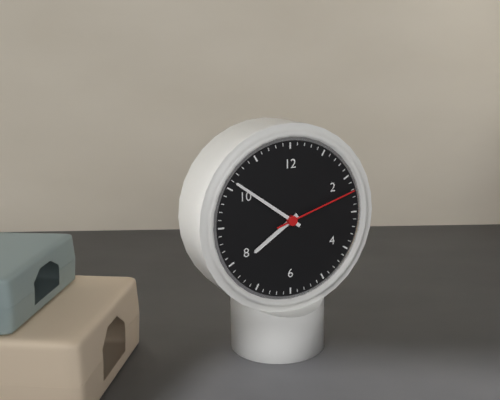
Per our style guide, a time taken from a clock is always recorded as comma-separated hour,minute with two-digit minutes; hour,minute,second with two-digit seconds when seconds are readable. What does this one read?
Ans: 7,51,12
